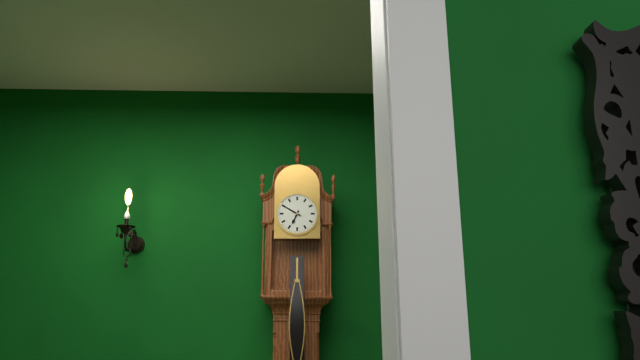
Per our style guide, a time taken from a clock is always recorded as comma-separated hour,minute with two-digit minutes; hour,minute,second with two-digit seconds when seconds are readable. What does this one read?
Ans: 6,50
